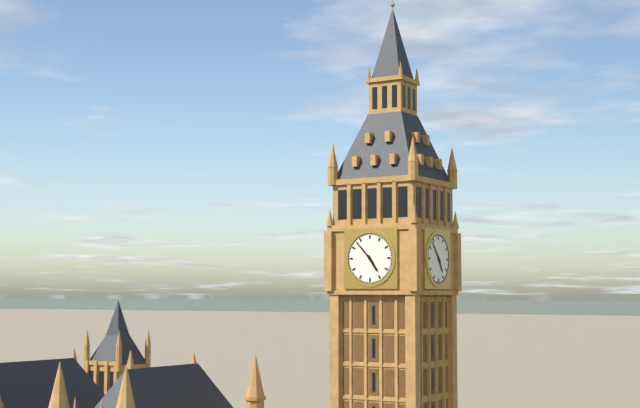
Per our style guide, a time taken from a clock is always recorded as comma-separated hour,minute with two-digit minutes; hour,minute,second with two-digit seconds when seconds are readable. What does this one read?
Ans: 4,53
